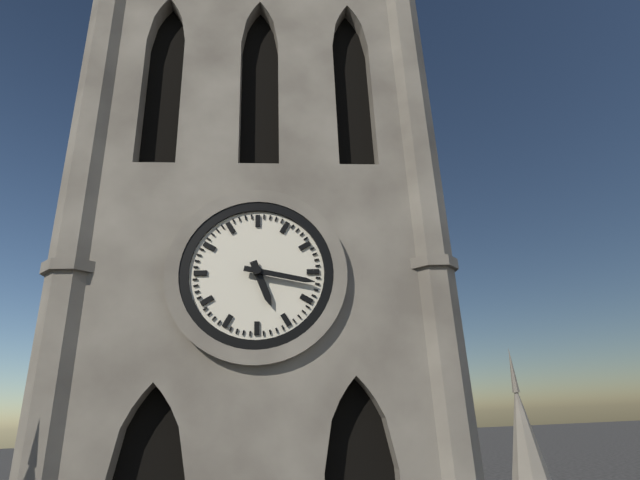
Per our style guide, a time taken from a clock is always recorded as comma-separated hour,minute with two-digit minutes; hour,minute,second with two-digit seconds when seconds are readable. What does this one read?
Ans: 5,17
